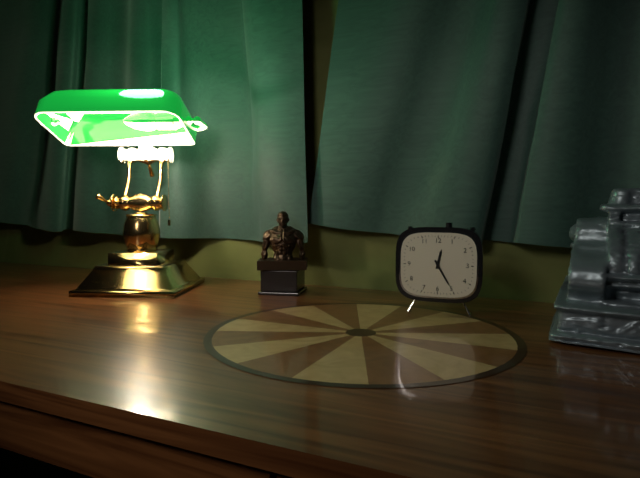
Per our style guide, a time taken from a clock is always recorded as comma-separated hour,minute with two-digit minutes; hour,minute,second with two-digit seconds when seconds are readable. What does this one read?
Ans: 12,25
